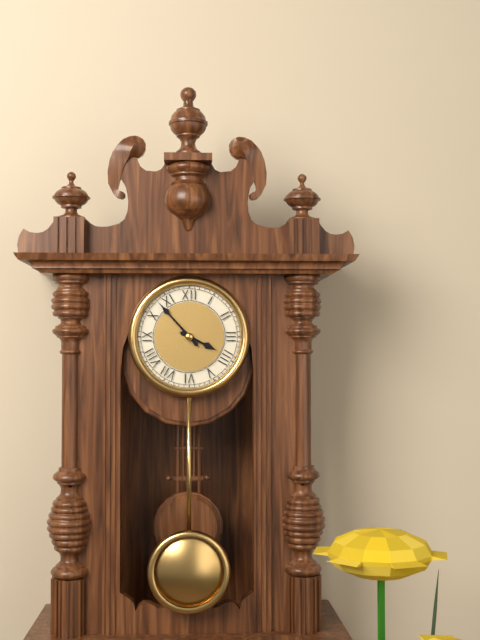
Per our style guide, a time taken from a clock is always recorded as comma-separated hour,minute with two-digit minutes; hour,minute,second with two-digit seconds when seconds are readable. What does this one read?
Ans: 3,53
